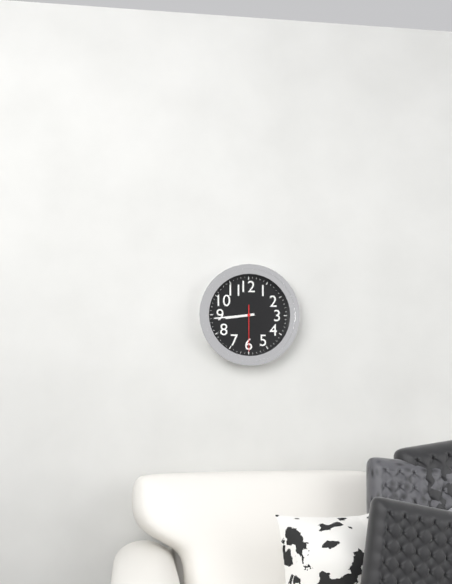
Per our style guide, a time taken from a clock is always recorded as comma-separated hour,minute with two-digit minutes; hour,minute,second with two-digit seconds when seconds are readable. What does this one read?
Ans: 8,44
